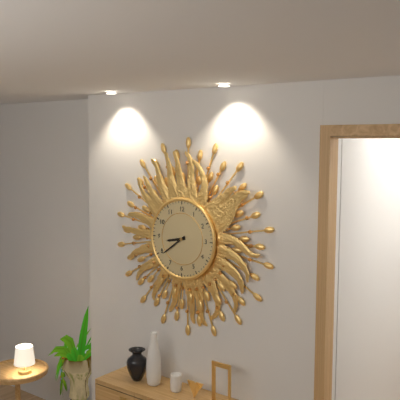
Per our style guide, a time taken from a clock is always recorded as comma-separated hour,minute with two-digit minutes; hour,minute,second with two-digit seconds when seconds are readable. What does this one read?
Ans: 8,39
